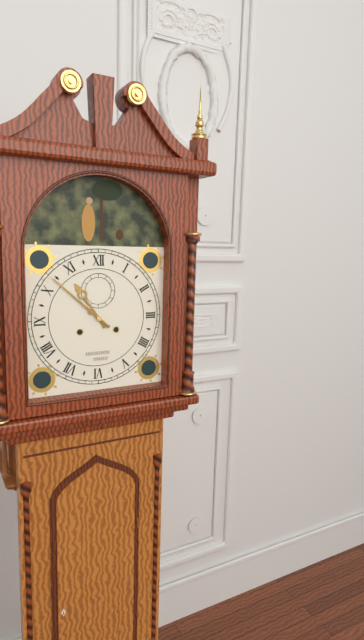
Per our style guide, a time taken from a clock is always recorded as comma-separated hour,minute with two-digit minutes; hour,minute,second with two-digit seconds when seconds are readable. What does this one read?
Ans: 10,52
